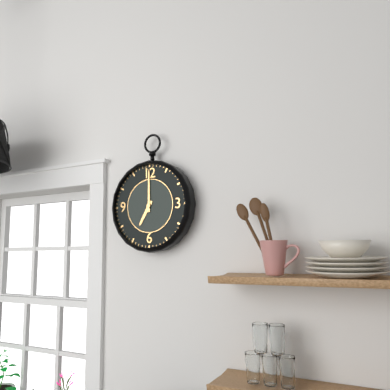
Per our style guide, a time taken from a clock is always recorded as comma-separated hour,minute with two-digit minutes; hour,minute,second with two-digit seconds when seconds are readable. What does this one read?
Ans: 7,00
